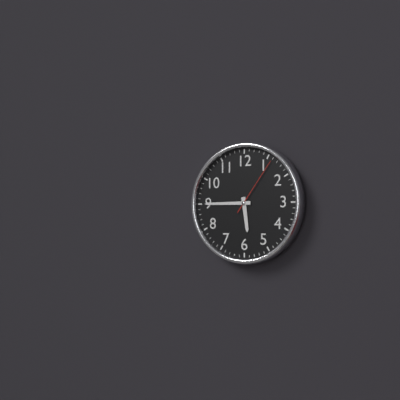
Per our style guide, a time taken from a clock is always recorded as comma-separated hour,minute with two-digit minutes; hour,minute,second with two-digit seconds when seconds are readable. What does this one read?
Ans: 5,45,06
